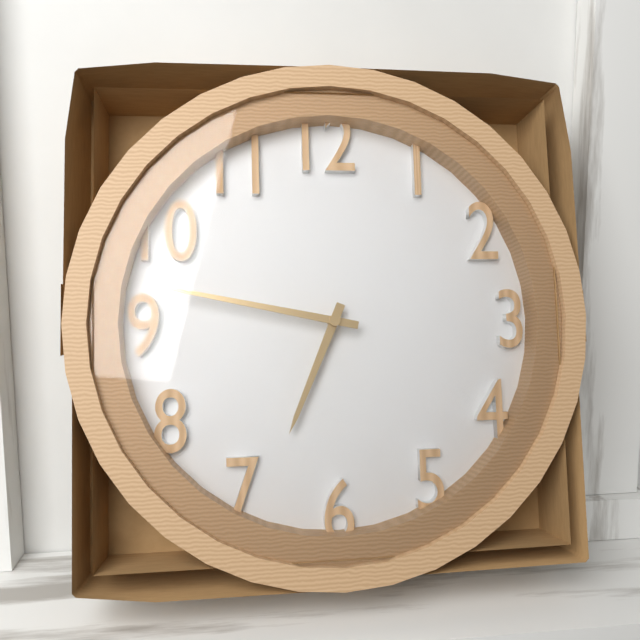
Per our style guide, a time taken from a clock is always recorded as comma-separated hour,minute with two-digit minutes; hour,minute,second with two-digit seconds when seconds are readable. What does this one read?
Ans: 6,47
